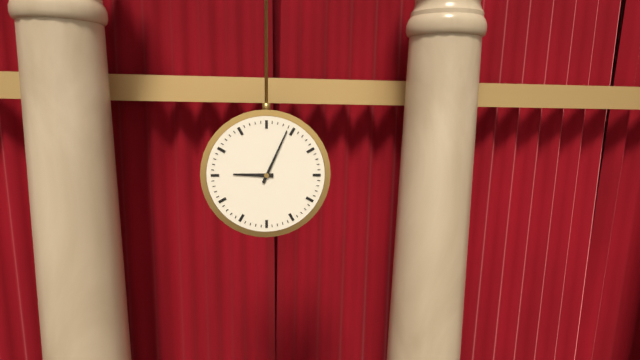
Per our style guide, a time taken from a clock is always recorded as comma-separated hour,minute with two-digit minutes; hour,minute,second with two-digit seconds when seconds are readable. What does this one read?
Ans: 9,04
